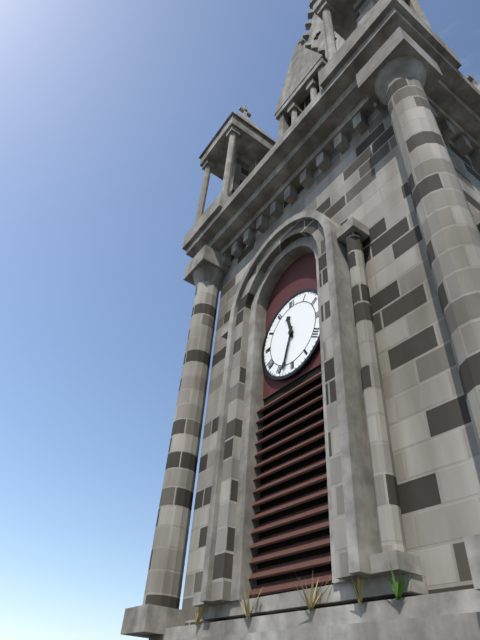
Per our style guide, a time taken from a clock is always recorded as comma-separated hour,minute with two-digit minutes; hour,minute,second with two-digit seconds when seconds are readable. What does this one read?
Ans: 11,33
